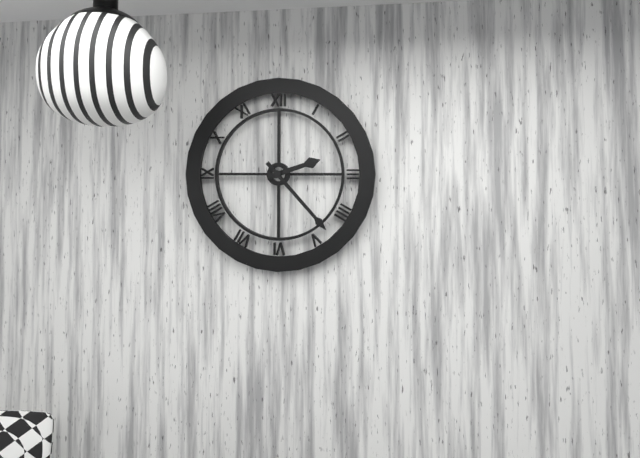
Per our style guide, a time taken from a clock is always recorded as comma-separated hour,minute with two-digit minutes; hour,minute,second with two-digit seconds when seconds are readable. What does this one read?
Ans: 2,23
